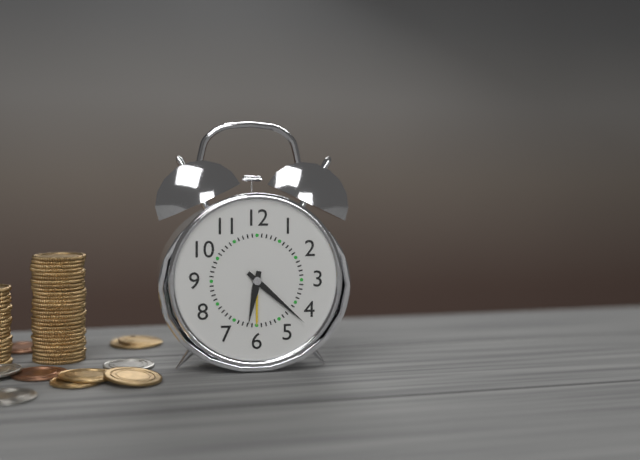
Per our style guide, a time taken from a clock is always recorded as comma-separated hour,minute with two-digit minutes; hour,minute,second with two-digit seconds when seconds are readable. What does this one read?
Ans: 6,22
